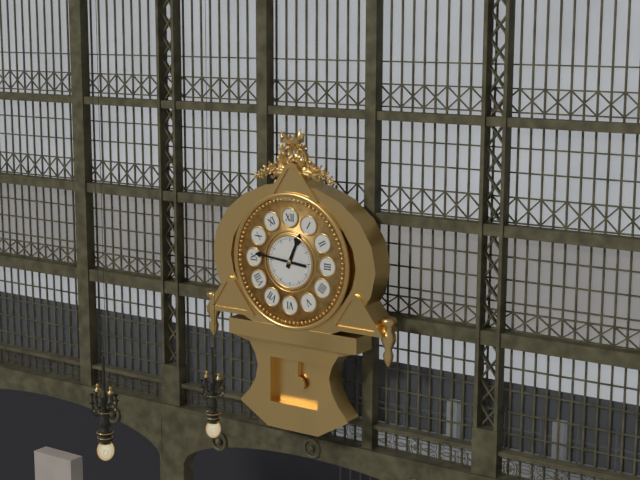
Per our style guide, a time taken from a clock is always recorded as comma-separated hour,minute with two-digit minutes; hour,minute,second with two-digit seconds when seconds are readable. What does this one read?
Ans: 12,46
